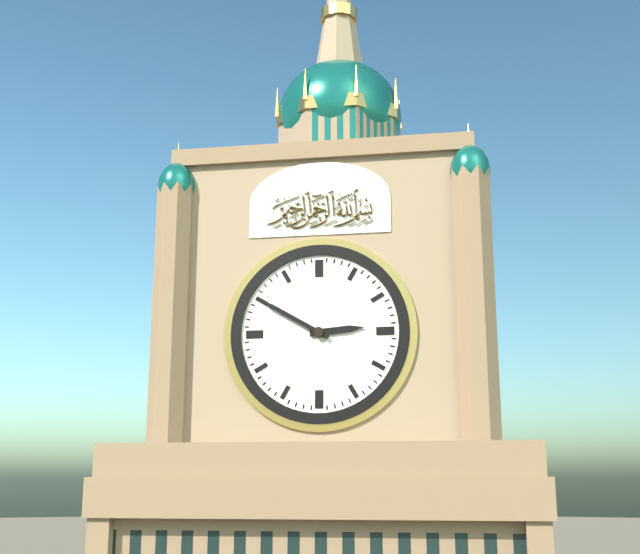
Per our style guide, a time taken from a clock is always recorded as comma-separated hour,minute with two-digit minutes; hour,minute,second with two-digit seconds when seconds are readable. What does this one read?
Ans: 2,50
